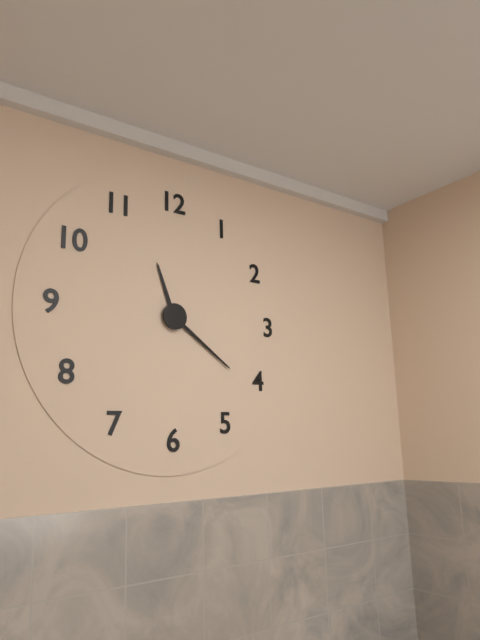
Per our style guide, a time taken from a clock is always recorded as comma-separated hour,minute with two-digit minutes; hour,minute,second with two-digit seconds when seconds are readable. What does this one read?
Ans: 11,21
